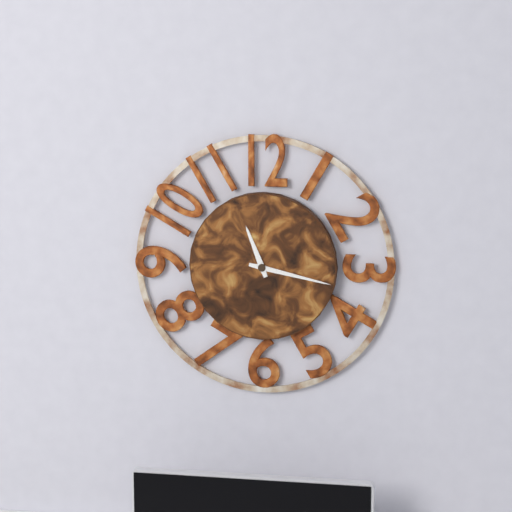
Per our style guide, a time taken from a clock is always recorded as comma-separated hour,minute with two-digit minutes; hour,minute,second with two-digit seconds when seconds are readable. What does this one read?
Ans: 11,17
